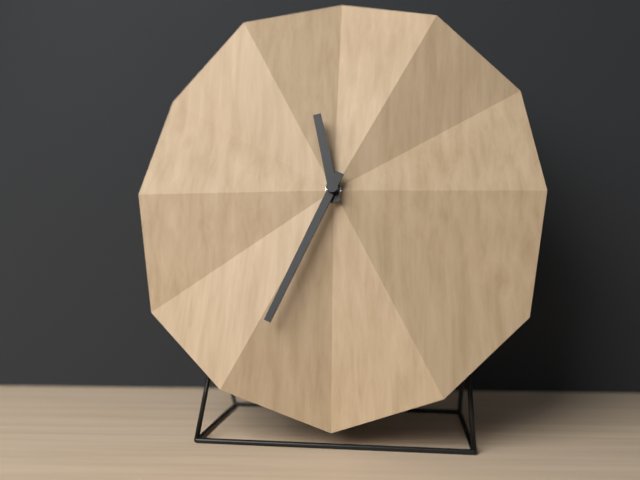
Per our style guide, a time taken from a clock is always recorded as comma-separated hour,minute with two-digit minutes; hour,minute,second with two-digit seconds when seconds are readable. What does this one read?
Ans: 11,34
